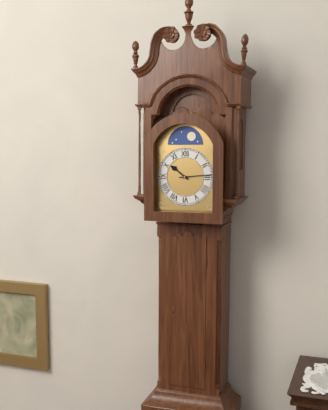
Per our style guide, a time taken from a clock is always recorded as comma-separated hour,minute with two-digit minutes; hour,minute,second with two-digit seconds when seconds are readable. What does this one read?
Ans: 10,14
